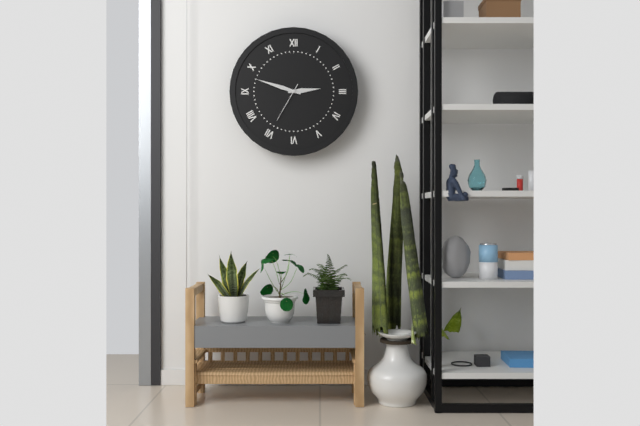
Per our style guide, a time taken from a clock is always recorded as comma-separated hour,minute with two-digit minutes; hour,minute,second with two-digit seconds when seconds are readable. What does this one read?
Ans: 2,48
